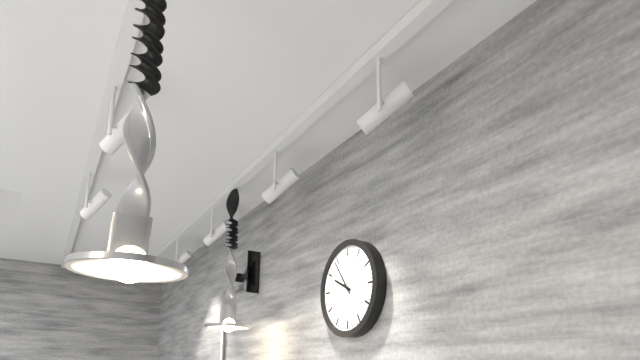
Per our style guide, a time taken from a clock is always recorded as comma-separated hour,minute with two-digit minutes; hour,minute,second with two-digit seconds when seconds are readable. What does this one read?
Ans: 9,54
